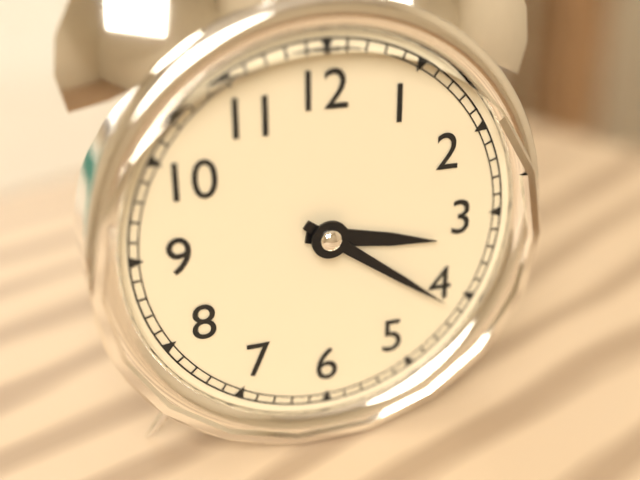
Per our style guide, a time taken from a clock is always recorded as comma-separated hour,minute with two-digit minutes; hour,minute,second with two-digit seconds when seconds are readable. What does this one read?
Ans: 3,21
